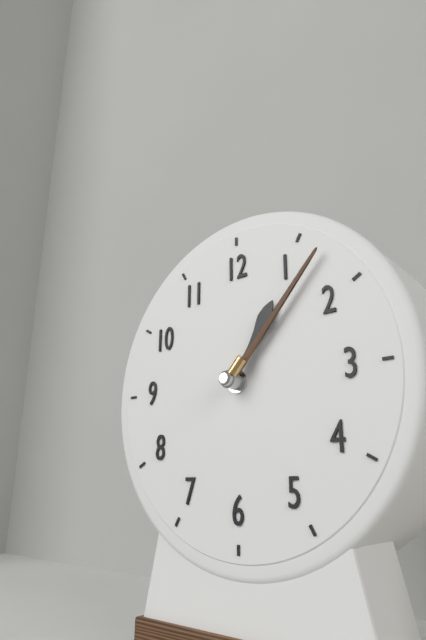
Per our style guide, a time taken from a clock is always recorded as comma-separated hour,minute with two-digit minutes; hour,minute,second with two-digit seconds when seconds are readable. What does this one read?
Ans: 1,07
